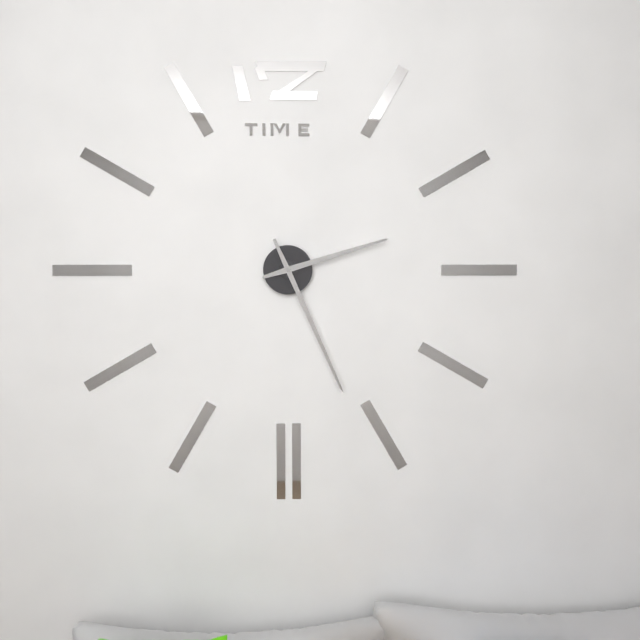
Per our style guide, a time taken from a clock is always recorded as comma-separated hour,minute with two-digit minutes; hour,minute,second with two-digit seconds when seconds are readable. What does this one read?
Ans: 2,26
